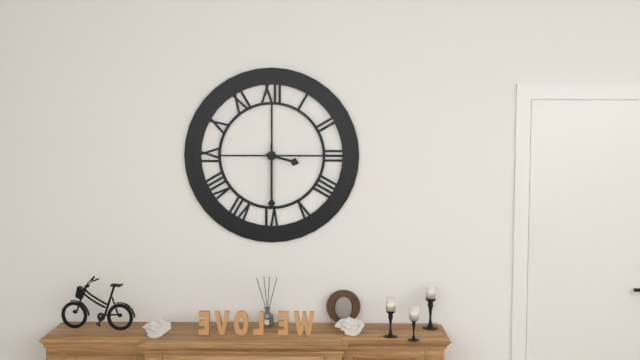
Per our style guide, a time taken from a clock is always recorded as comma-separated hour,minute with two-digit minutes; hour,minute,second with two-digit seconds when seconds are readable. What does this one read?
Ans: 3,30
